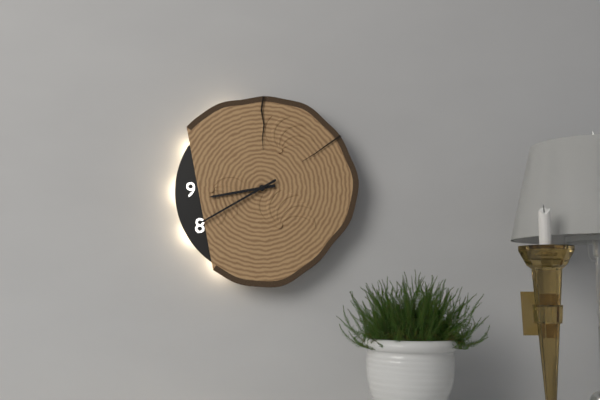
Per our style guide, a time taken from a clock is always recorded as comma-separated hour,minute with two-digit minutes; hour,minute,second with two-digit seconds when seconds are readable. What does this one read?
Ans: 8,40
